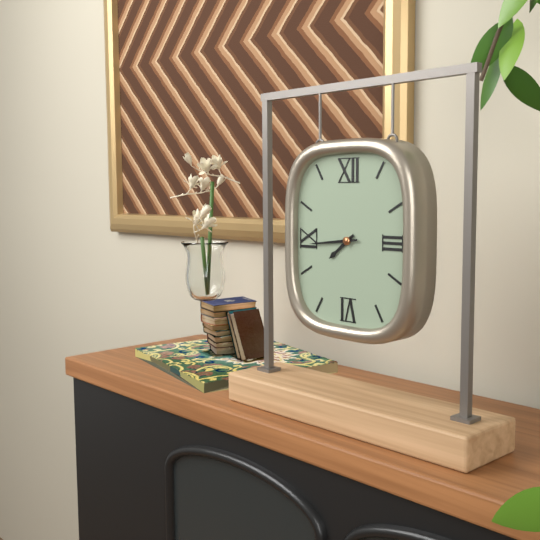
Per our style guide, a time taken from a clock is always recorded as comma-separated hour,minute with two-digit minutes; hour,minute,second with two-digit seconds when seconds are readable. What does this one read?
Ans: 7,44
